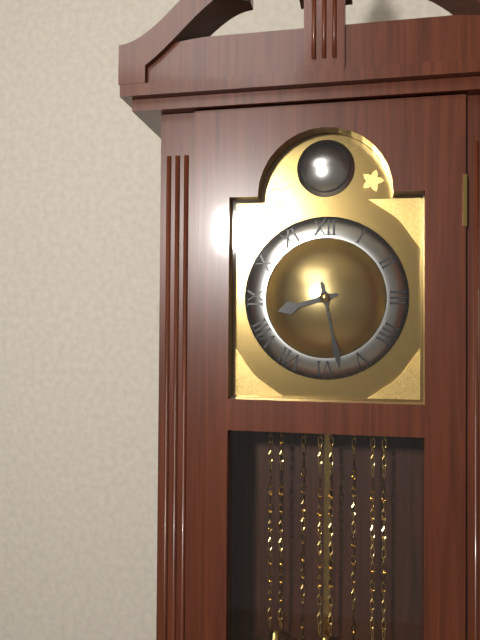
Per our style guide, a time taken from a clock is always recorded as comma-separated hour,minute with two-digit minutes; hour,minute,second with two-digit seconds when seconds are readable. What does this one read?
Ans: 8,28
